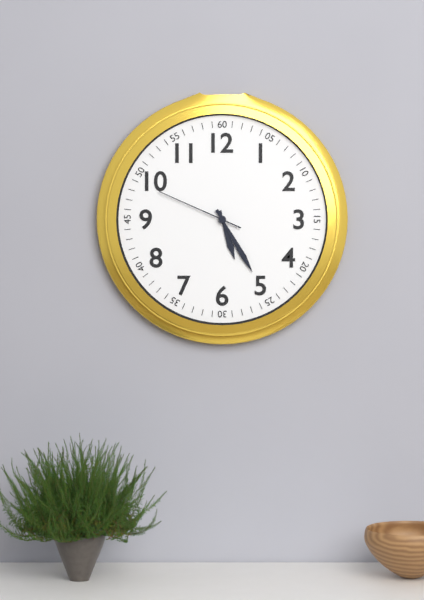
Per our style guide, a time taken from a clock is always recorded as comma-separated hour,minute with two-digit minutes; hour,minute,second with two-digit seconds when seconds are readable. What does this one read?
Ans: 5,25,49
